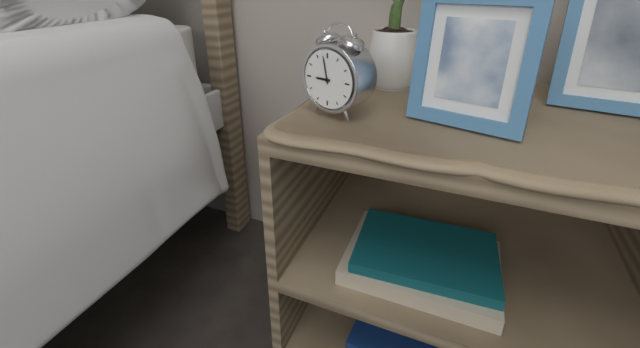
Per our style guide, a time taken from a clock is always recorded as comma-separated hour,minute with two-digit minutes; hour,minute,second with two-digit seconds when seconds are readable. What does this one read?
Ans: 8,58
